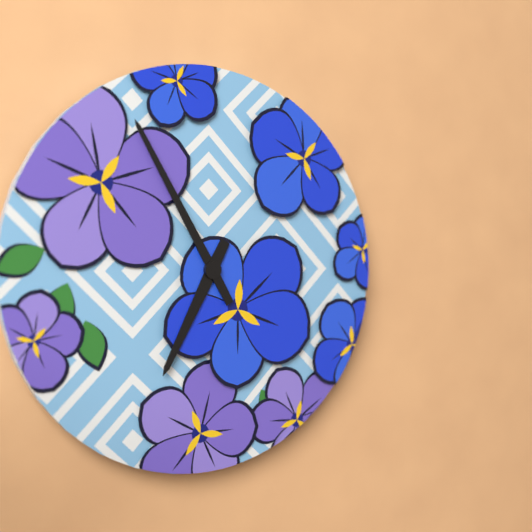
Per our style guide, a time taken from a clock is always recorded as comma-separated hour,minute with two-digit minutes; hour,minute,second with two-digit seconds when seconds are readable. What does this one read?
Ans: 6,55
